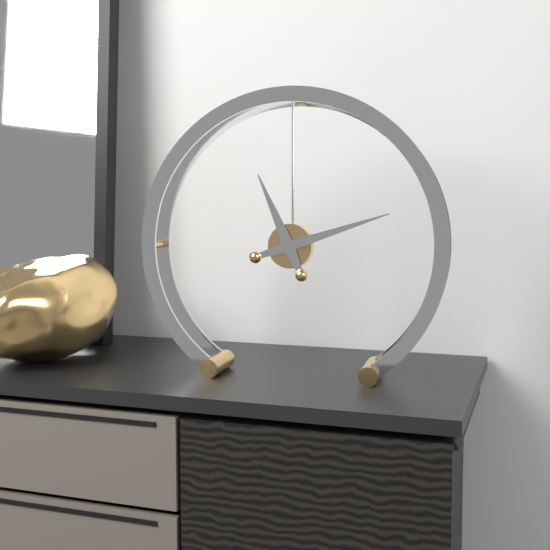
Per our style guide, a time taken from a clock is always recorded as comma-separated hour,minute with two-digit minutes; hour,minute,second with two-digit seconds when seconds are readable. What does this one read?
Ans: 11,12
